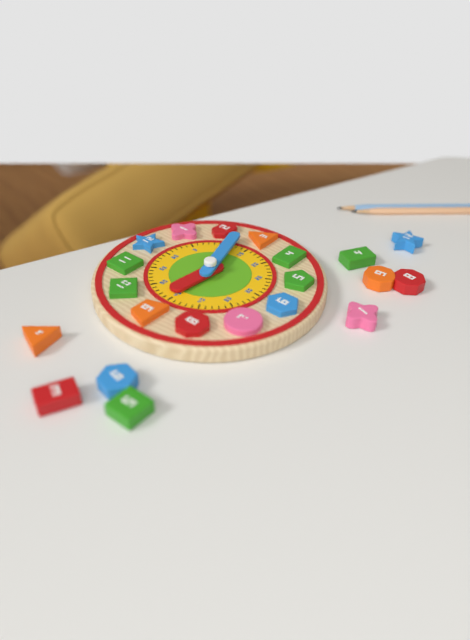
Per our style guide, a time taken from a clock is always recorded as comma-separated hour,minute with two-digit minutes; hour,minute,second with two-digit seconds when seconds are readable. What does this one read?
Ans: 9,12
